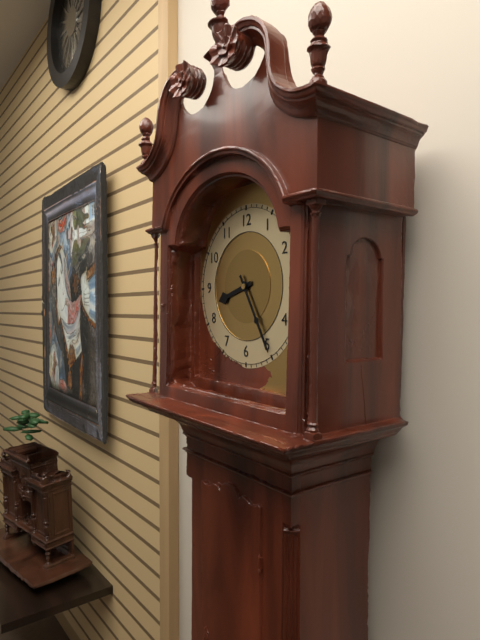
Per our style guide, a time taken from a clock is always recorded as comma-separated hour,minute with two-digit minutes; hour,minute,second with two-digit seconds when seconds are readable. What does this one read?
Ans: 8,25
